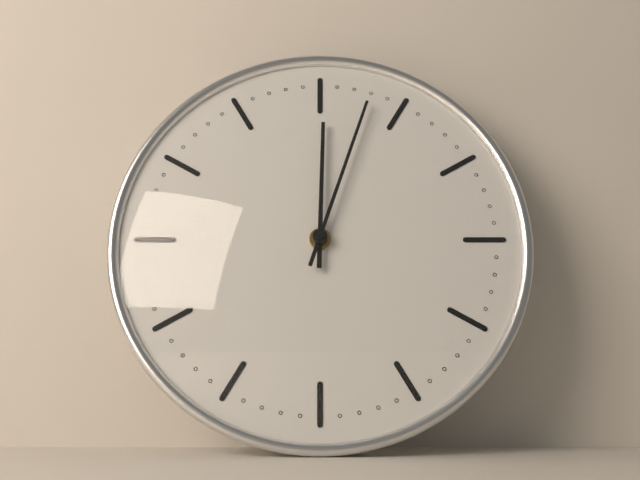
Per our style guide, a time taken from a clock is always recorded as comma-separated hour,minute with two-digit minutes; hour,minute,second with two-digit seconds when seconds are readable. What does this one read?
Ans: 12,03
